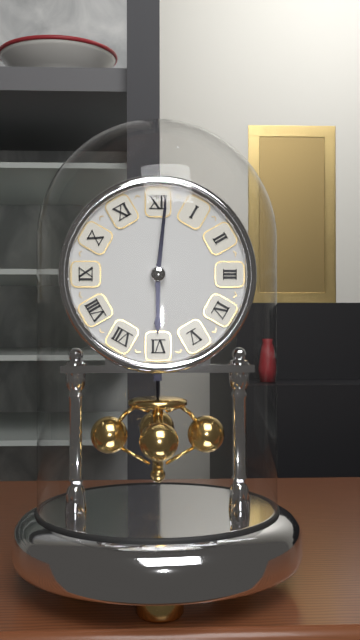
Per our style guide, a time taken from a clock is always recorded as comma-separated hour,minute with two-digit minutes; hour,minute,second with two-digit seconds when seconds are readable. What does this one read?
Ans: 6,01
